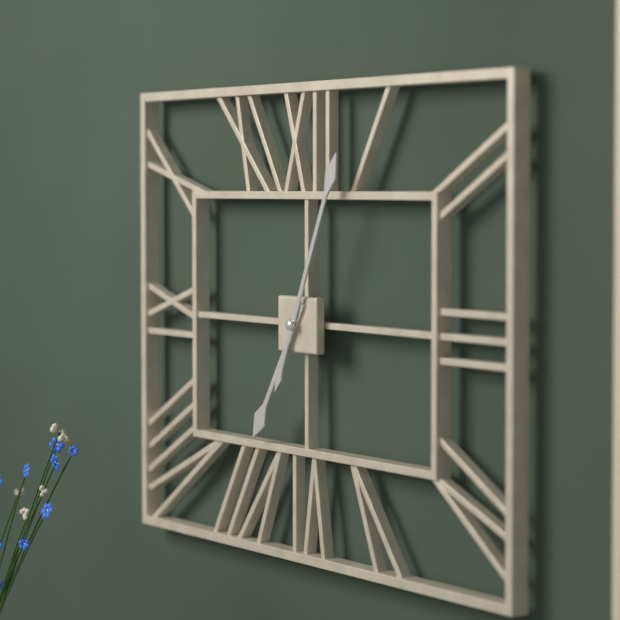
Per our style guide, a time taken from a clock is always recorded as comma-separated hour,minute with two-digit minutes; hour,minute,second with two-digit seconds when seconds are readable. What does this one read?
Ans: 7,04
